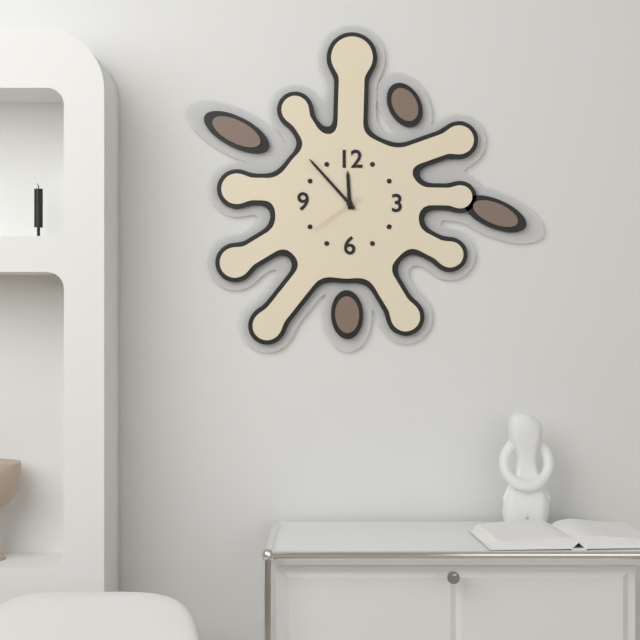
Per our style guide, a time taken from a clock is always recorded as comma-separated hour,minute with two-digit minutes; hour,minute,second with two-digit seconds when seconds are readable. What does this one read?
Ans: 11,53,39
